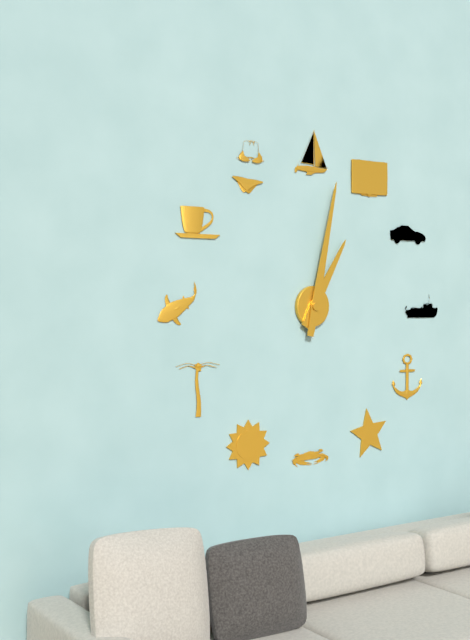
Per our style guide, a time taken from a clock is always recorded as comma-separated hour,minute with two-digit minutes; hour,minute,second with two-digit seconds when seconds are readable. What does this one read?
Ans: 1,02
